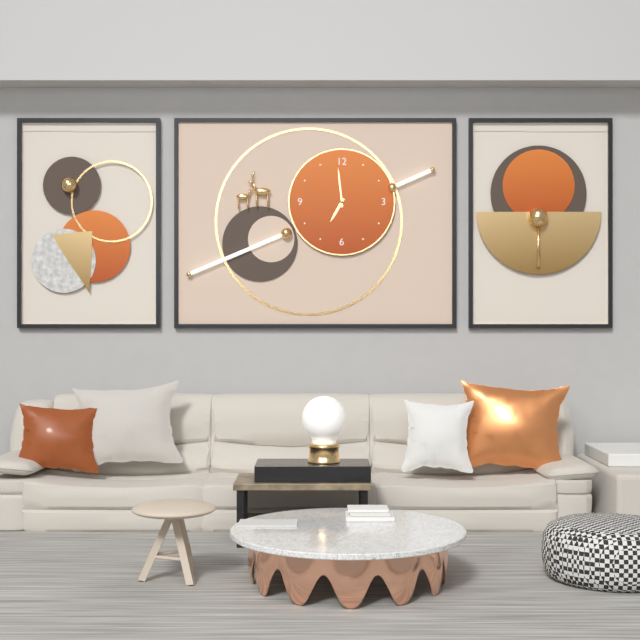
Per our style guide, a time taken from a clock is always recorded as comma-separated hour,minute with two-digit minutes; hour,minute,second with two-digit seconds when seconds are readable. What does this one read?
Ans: 6,59
